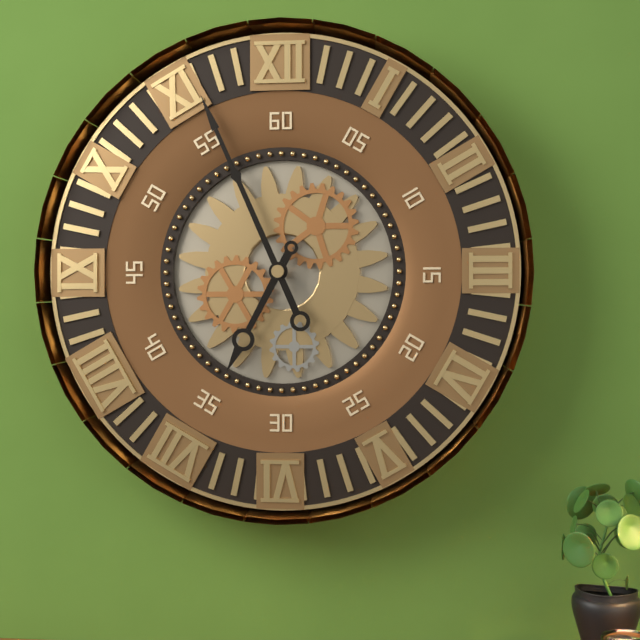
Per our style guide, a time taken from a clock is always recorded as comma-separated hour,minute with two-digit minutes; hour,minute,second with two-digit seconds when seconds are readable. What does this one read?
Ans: 6,56
